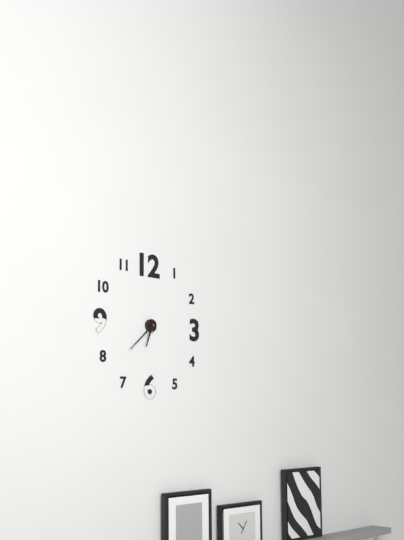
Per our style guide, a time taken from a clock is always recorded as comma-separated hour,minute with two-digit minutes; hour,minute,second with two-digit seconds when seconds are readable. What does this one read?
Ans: 6,38
